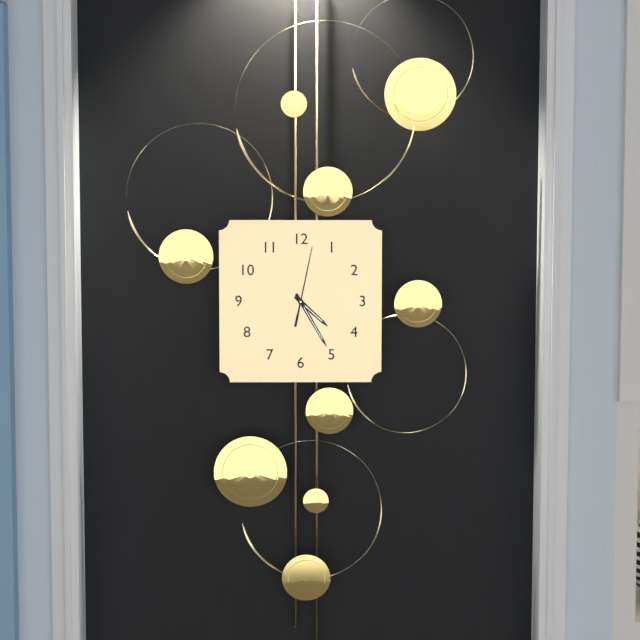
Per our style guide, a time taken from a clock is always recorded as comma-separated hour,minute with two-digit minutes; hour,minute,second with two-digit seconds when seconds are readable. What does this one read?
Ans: 4,25,02
